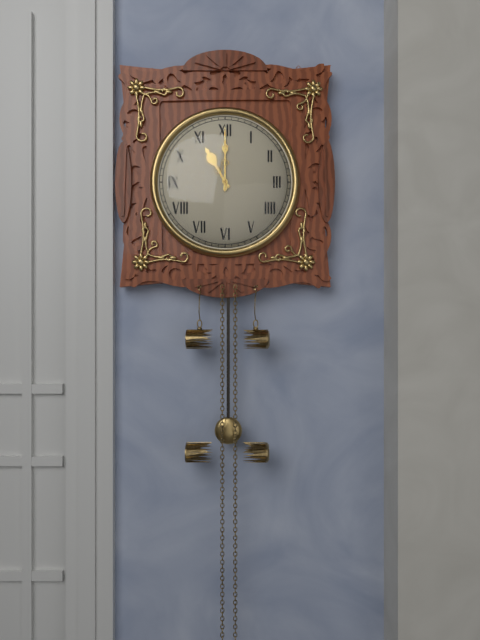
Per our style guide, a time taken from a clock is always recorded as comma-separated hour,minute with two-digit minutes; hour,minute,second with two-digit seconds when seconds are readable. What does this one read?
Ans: 11,00
